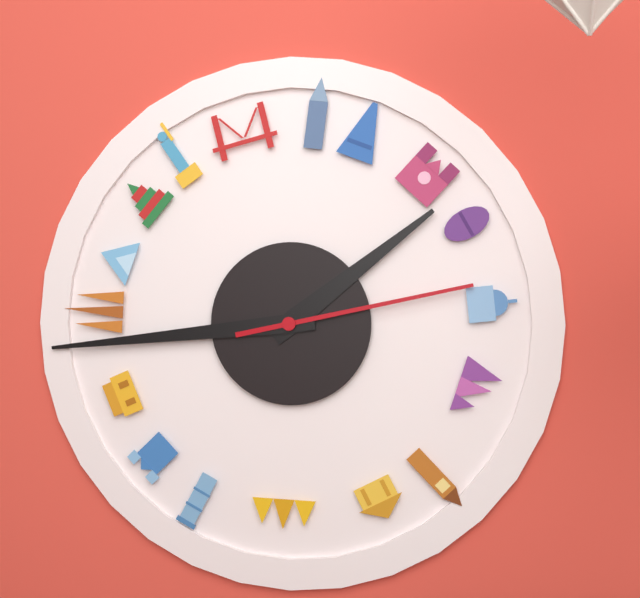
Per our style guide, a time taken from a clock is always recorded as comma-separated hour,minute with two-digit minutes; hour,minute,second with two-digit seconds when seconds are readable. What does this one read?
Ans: 1,44,13
